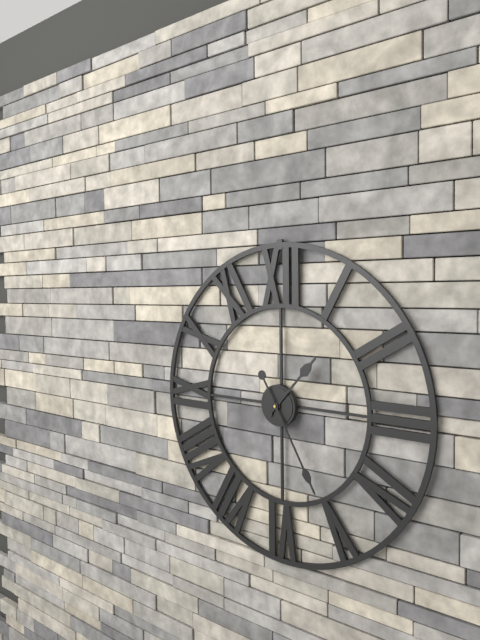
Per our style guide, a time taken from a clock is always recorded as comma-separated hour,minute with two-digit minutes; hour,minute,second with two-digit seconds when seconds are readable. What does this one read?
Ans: 1,25
